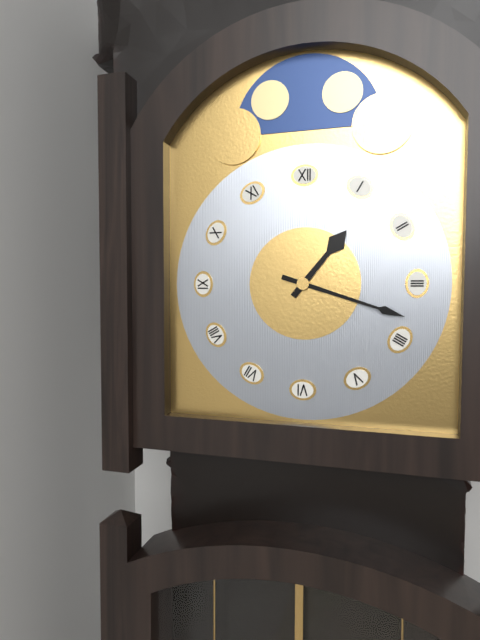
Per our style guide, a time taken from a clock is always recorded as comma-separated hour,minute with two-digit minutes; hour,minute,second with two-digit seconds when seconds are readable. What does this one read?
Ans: 1,18
